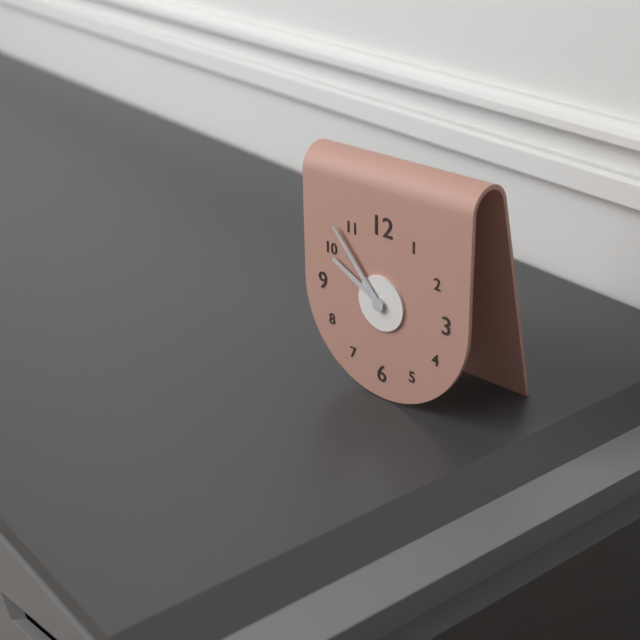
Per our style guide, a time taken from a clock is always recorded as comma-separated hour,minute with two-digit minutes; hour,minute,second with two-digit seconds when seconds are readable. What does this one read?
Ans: 9,53
